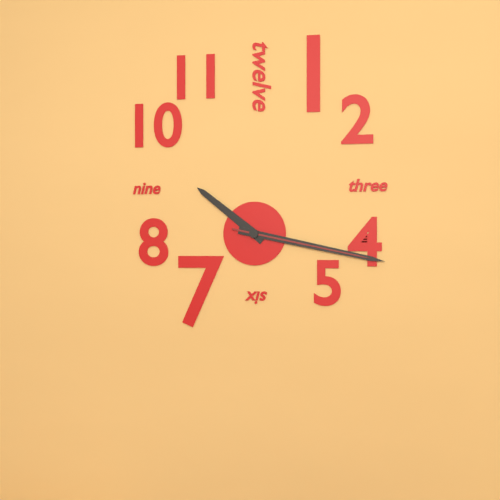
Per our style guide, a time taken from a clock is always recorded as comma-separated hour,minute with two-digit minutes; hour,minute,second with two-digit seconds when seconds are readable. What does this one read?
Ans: 10,17,17
